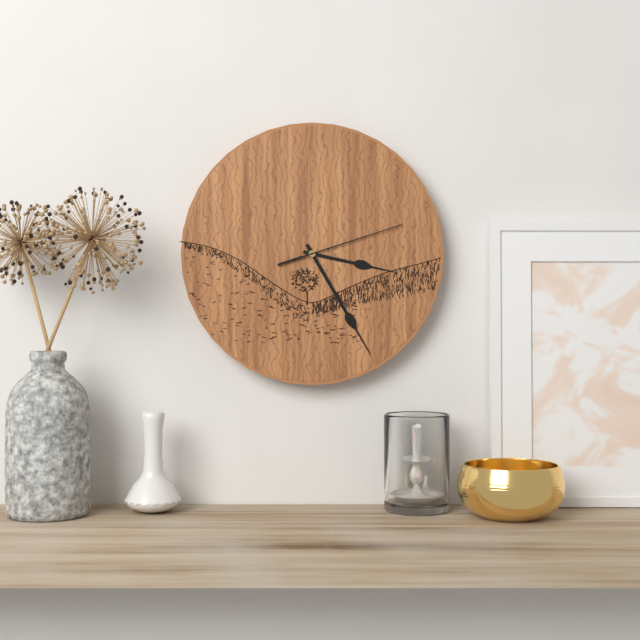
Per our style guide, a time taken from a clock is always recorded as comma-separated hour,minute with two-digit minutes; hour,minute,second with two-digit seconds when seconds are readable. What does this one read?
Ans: 3,25,12
